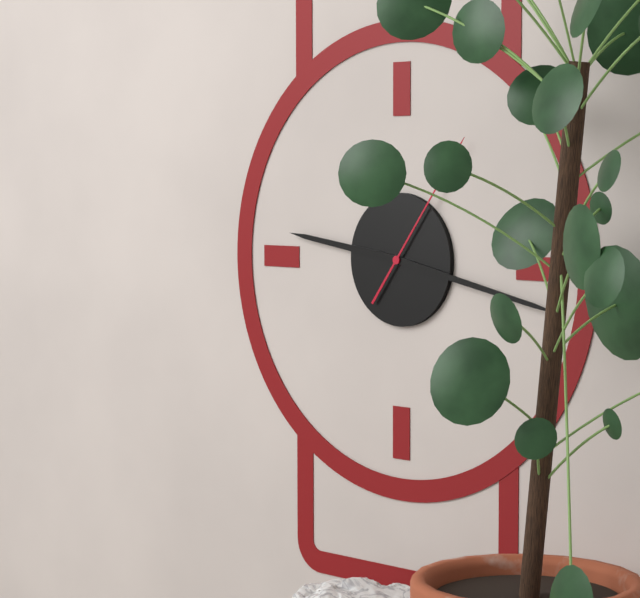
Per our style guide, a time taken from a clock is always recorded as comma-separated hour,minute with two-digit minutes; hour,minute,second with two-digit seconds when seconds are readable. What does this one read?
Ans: 9,17
